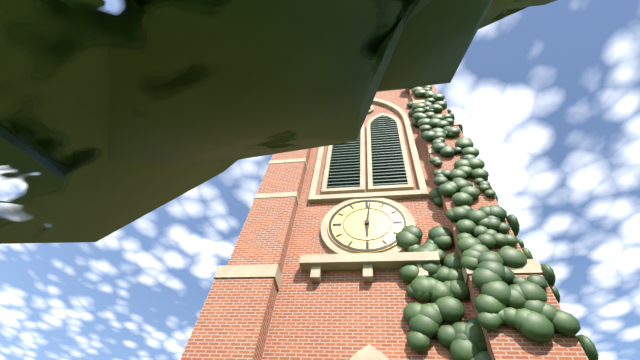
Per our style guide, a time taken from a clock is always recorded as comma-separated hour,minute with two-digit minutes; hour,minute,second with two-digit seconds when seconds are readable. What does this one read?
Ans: 6,01
